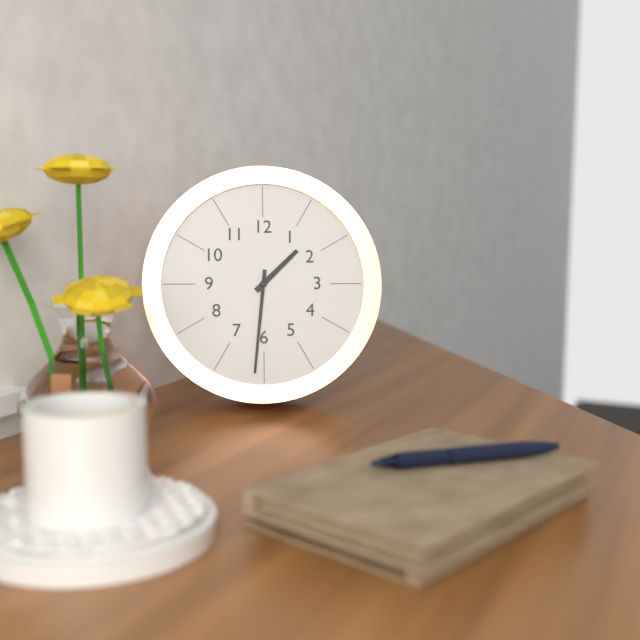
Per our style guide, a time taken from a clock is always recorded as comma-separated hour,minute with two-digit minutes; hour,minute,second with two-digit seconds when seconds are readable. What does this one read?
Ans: 1,31
